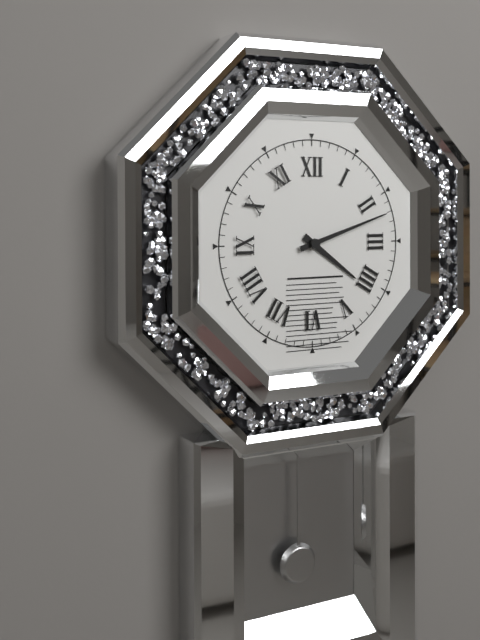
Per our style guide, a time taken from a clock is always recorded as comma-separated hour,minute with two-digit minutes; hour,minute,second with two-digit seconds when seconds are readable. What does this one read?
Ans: 4,12
